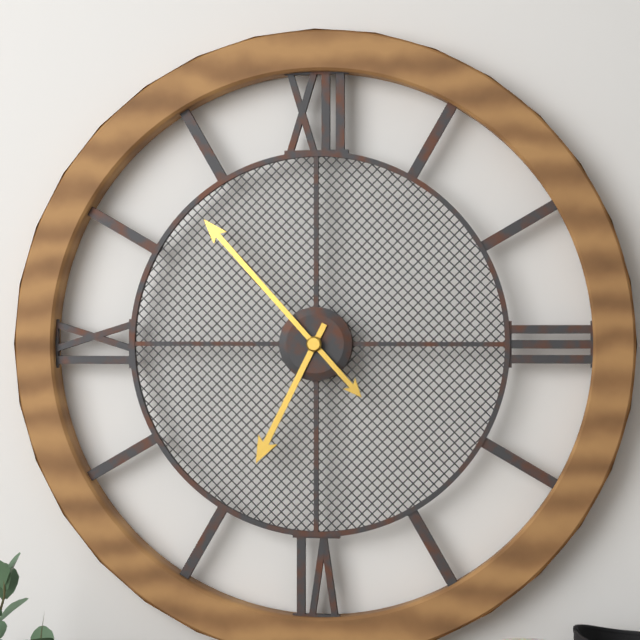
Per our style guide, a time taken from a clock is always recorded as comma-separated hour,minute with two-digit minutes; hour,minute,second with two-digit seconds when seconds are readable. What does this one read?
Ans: 6,53
